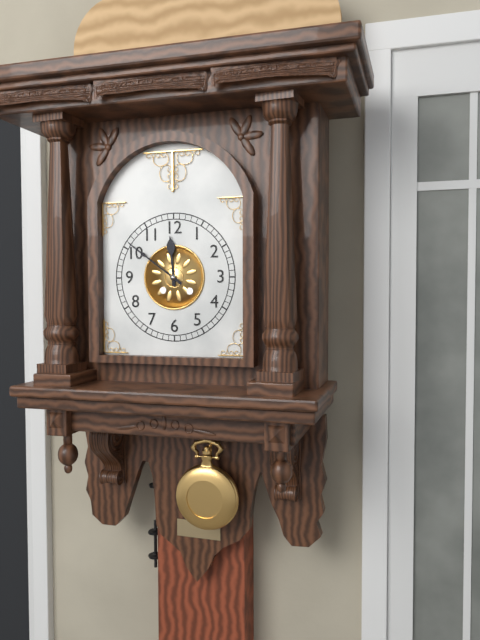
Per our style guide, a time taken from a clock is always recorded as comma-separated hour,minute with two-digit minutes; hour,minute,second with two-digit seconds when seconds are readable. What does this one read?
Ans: 11,51
